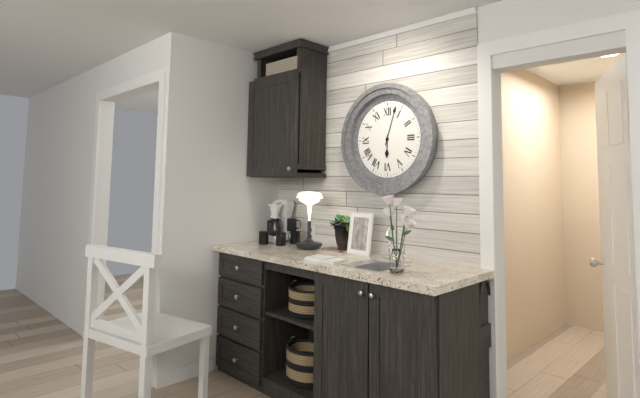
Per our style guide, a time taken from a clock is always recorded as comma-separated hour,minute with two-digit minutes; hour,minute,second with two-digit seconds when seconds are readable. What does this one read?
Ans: 6,03
